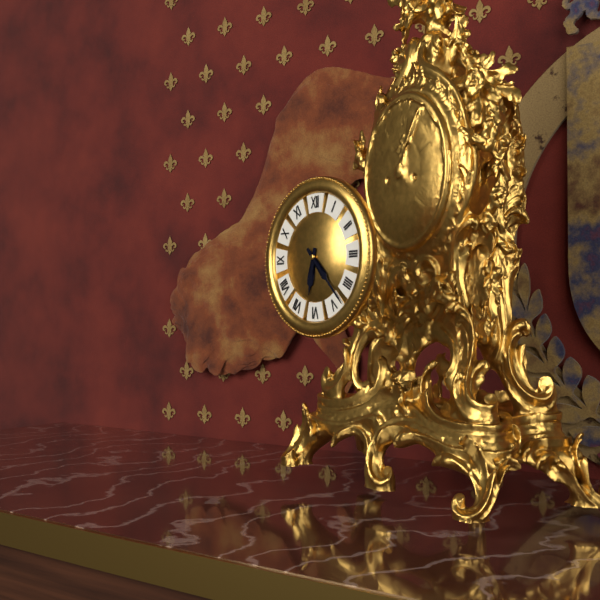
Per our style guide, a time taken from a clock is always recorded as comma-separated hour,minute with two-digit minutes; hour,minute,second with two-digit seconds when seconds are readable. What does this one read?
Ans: 6,23
